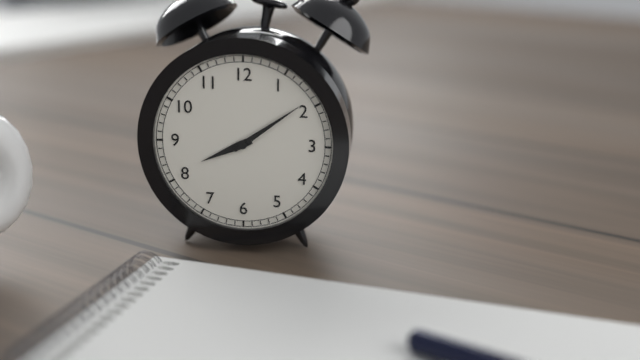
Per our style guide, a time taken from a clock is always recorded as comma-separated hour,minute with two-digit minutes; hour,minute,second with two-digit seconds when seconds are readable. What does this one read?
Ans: 8,09
